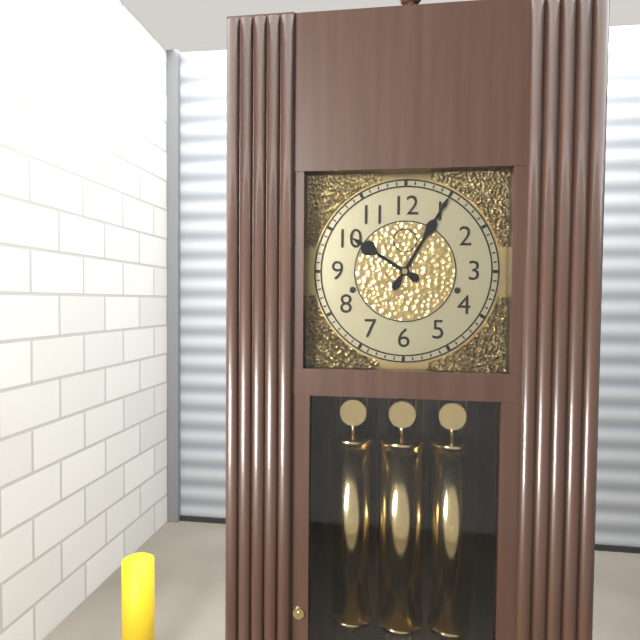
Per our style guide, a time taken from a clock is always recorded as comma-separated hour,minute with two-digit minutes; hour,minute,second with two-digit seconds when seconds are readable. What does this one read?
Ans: 10,05
